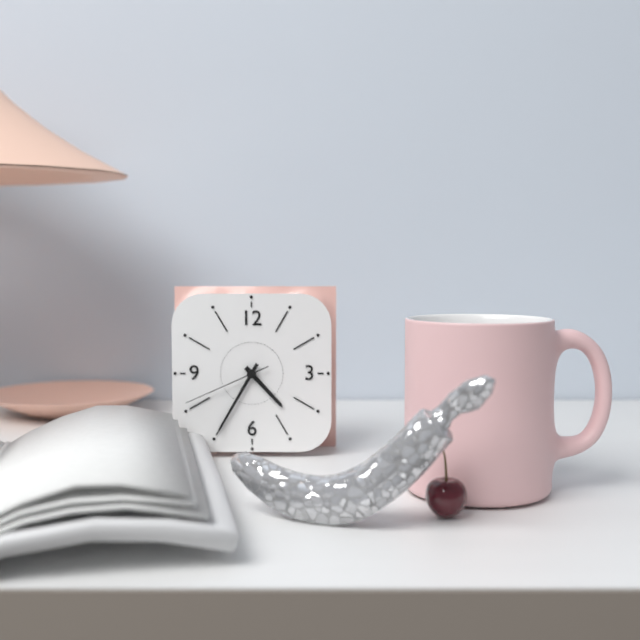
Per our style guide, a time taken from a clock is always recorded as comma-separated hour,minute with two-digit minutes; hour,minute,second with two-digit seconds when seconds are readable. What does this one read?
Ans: 4,35,41
